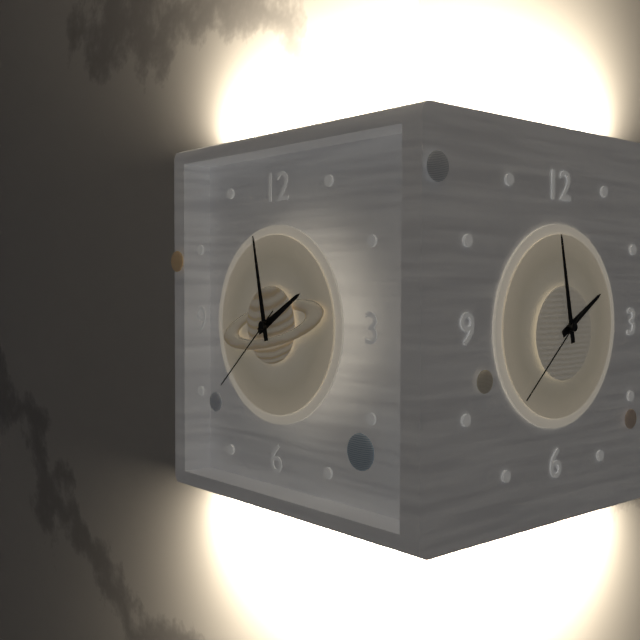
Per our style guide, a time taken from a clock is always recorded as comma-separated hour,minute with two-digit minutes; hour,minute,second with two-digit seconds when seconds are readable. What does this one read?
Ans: 1,58,38
